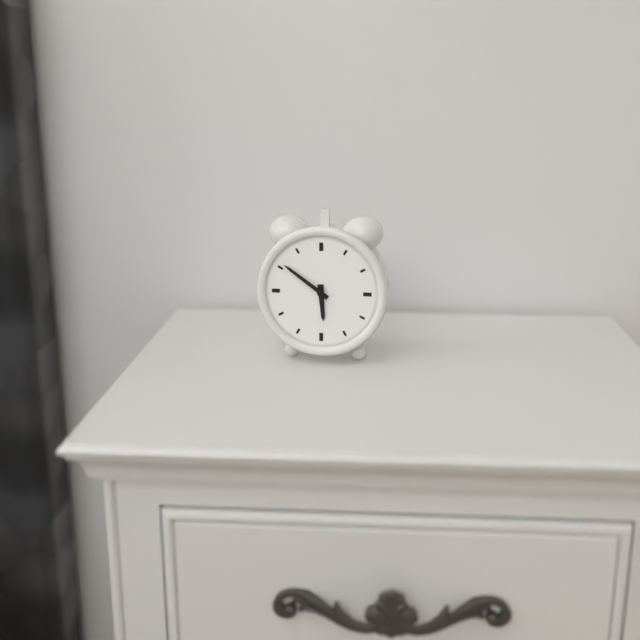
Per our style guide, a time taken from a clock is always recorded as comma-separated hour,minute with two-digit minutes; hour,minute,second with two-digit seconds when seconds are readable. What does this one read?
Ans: 5,51
